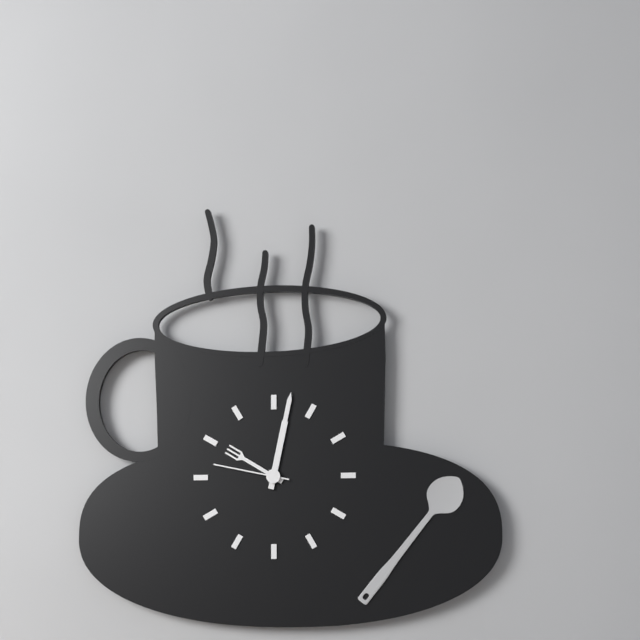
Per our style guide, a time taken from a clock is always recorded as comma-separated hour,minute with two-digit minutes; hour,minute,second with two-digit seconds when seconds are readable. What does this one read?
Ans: 10,02,47
